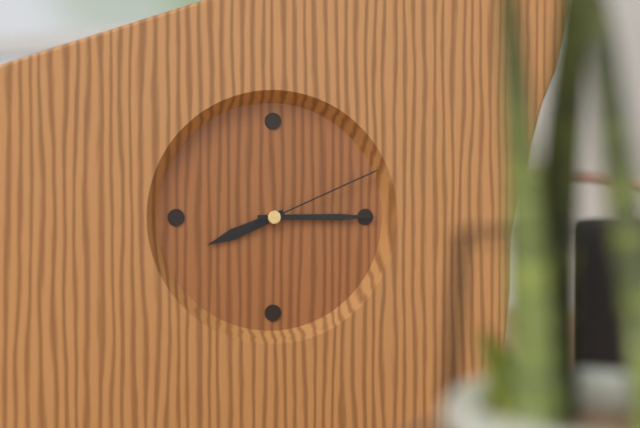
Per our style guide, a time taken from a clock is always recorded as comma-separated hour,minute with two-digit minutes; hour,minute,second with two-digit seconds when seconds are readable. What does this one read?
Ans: 8,15,11
